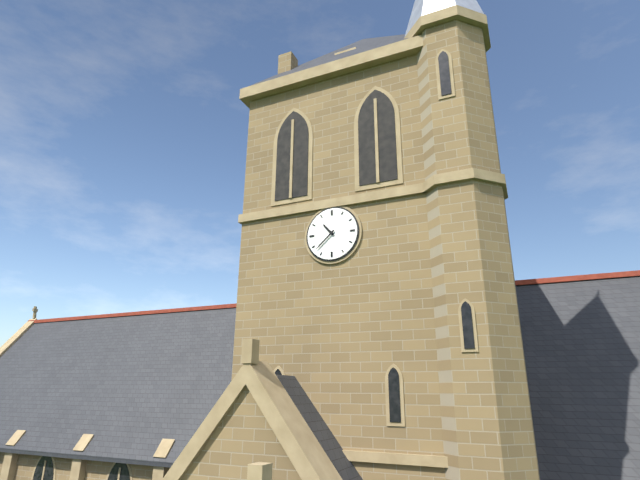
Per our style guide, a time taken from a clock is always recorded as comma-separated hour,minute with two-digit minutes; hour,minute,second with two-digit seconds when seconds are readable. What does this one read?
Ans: 10,38
